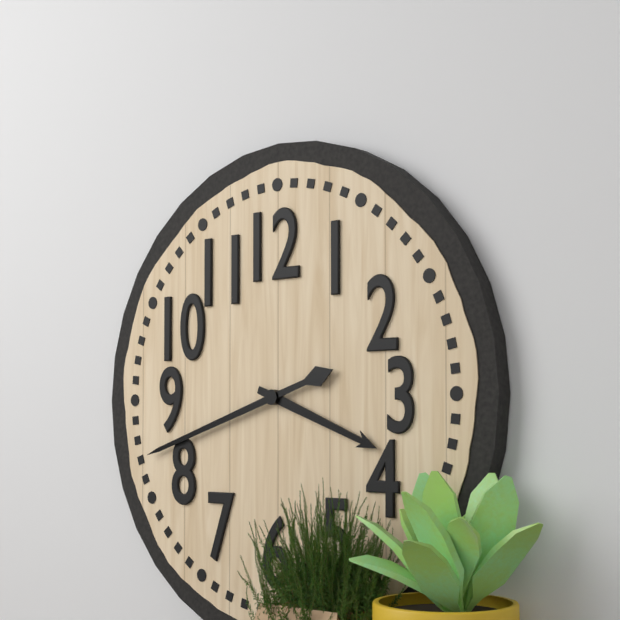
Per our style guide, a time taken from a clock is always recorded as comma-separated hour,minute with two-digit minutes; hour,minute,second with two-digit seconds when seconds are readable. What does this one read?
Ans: 3,42
